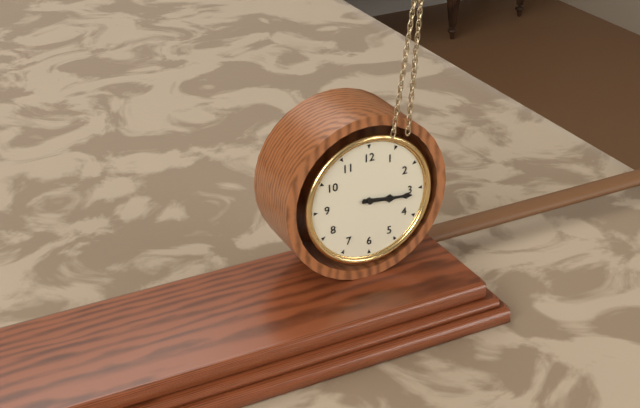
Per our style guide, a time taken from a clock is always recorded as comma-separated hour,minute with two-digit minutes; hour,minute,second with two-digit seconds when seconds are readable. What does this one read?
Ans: 3,16
